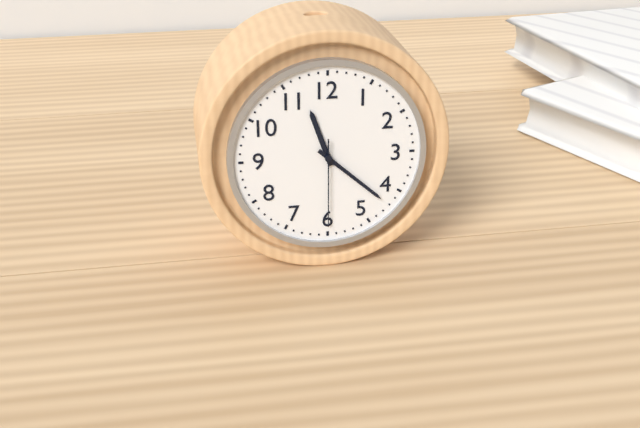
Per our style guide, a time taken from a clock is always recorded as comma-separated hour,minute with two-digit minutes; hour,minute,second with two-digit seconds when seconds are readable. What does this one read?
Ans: 11,22,30
